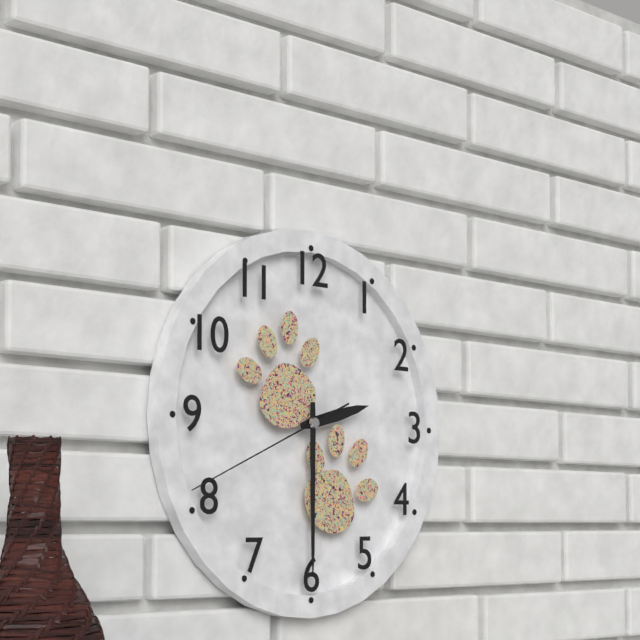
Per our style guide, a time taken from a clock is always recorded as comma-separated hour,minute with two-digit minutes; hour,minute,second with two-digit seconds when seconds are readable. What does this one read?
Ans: 2,30,41
